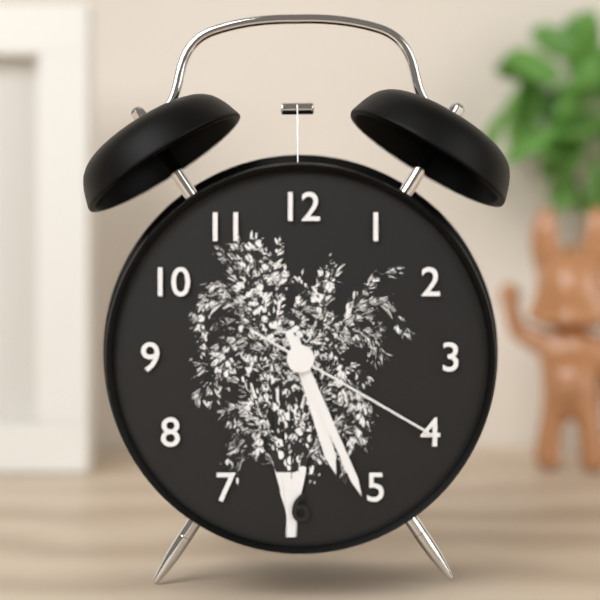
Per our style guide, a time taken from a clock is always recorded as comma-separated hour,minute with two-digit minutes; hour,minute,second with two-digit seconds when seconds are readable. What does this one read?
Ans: 5,26,20
